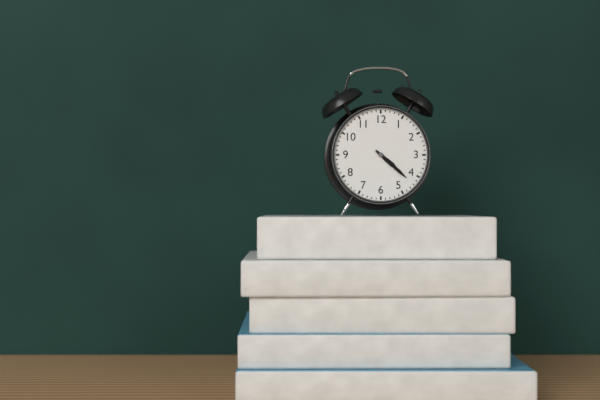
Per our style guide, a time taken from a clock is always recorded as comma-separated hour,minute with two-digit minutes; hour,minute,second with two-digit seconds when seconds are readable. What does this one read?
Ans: 4,22
